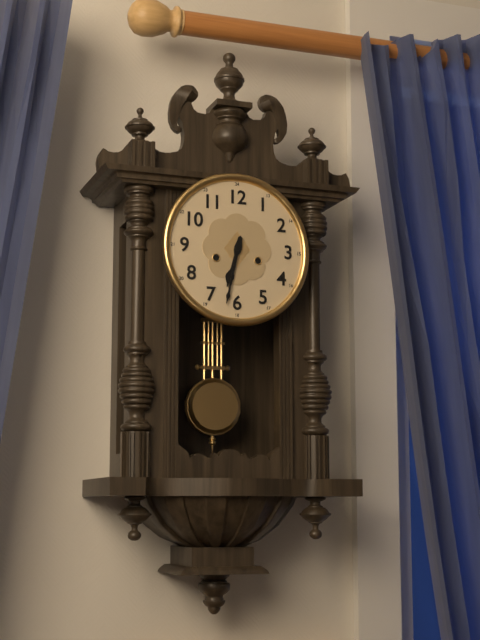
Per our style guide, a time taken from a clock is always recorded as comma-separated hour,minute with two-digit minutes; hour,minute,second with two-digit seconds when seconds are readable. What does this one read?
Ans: 6,32
